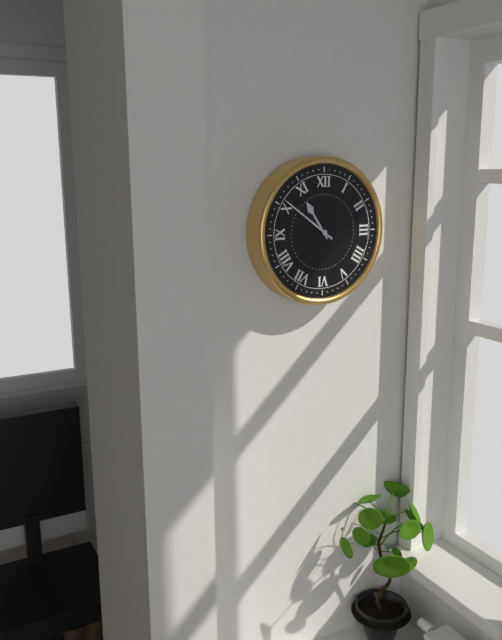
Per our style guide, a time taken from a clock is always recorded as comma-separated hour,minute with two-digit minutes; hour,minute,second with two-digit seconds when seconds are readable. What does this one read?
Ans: 10,51
